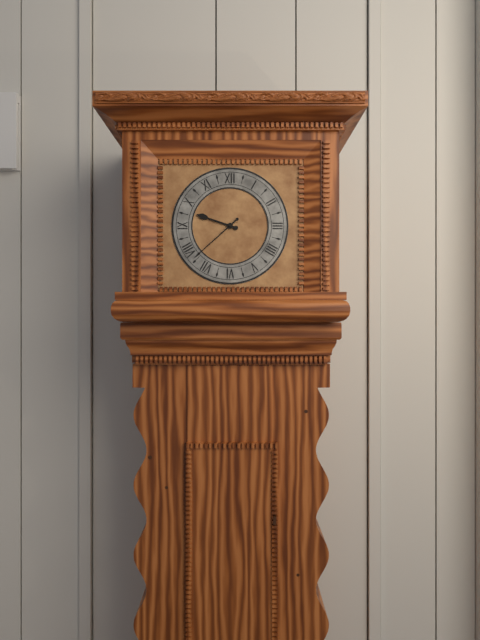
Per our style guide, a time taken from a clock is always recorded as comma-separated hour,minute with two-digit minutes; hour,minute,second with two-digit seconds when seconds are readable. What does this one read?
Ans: 9,38
